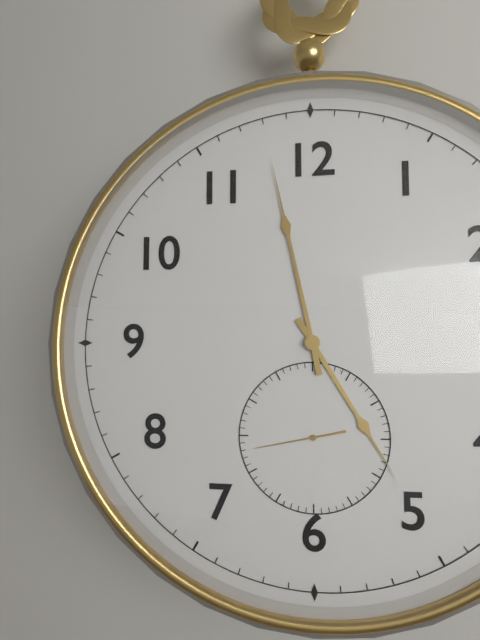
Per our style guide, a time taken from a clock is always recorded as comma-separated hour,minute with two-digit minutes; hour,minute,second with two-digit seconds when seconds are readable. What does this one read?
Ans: 4,58,43
